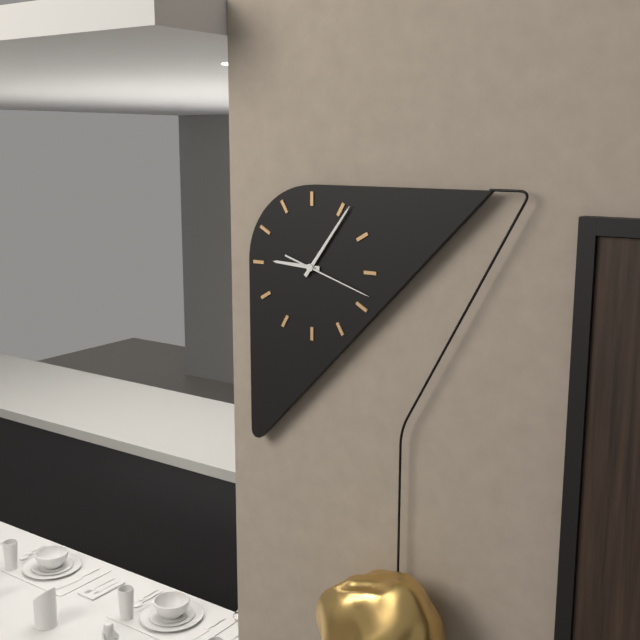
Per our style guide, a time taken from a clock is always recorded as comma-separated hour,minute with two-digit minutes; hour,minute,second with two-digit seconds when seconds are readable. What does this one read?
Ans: 9,06,18
